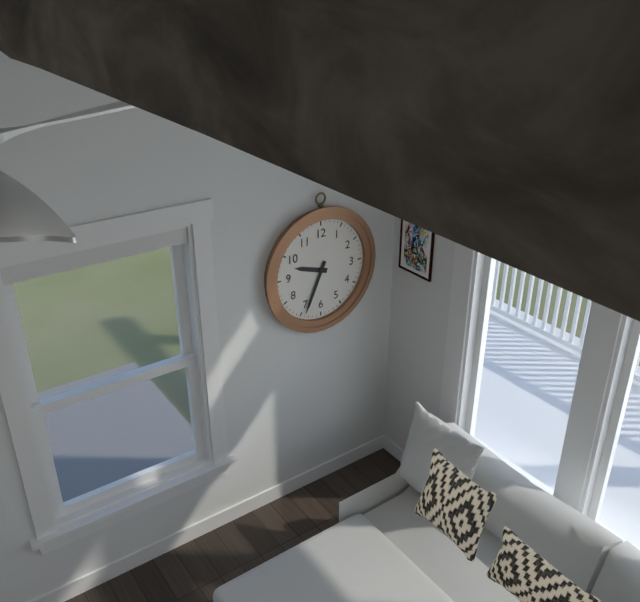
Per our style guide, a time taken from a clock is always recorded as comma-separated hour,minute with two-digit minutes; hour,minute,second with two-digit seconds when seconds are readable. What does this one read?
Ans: 9,34
